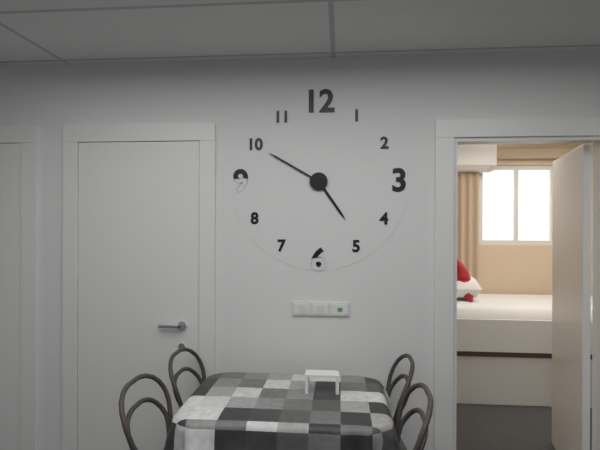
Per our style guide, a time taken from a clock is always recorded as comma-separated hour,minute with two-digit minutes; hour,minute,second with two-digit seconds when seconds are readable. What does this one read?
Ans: 4,50
